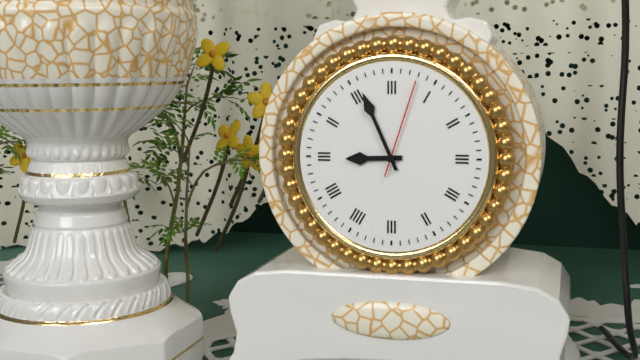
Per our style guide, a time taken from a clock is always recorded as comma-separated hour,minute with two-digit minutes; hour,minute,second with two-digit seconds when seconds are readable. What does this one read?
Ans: 8,56,03
